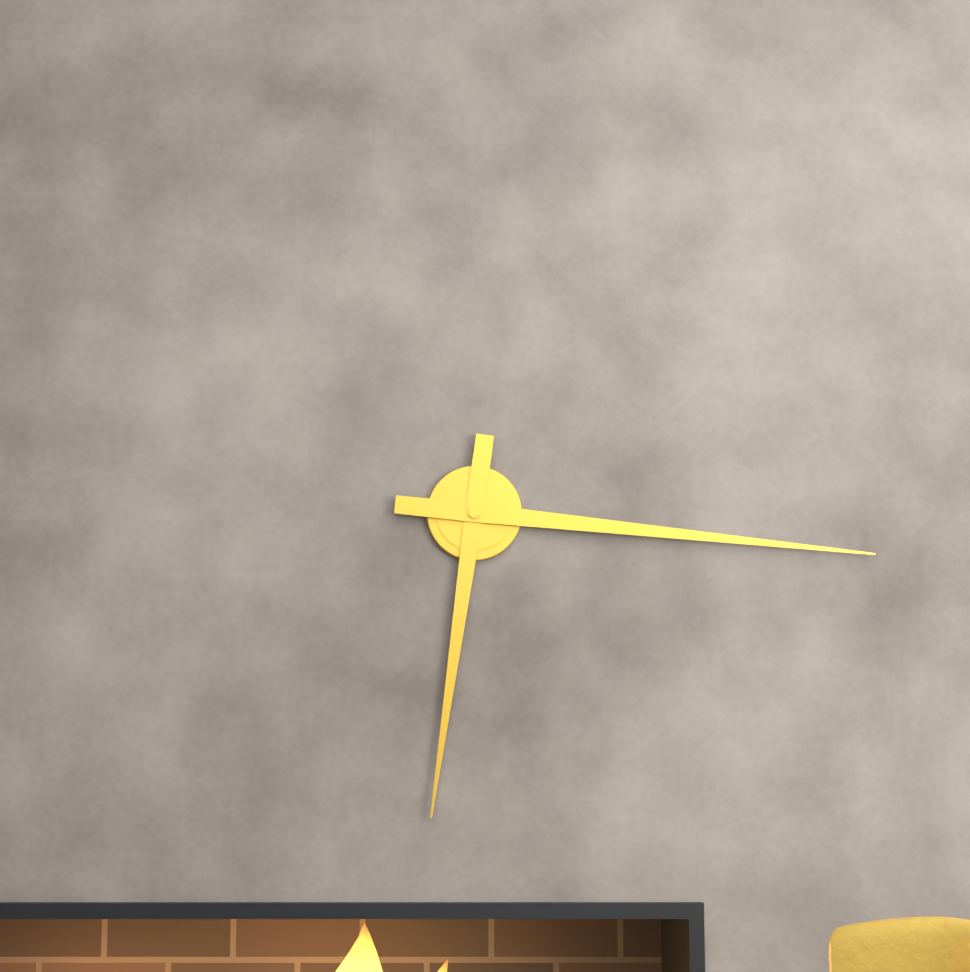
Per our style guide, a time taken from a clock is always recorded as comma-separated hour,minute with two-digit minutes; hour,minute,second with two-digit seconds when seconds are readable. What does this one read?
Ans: 6,16
